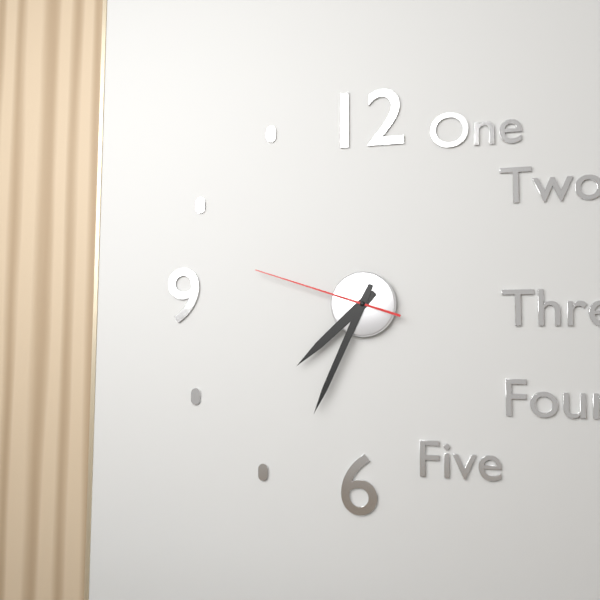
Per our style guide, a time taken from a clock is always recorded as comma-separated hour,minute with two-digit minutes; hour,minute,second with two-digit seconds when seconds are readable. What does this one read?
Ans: 7,34,48
